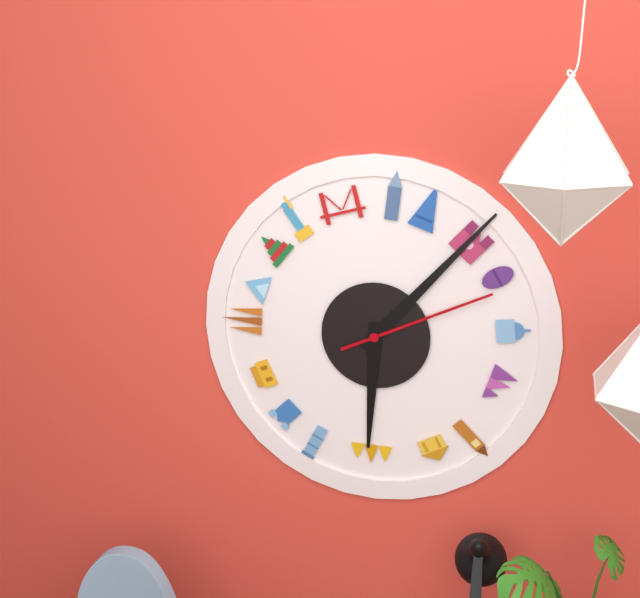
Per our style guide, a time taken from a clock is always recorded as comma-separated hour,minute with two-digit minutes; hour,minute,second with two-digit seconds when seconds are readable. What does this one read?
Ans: 6,07,11
